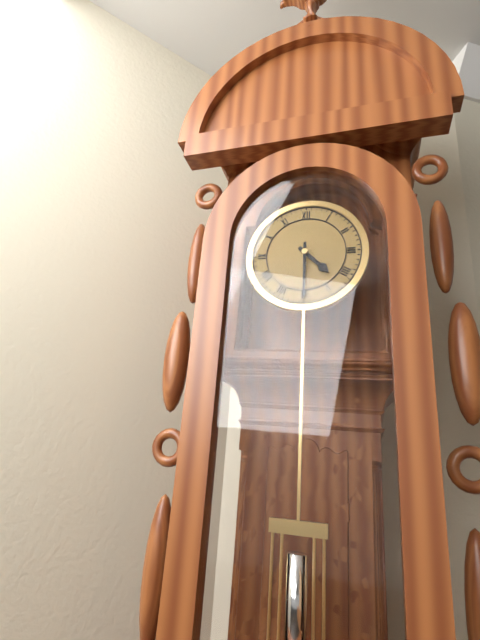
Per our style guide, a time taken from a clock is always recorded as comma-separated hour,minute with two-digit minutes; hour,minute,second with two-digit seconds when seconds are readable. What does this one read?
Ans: 4,30
